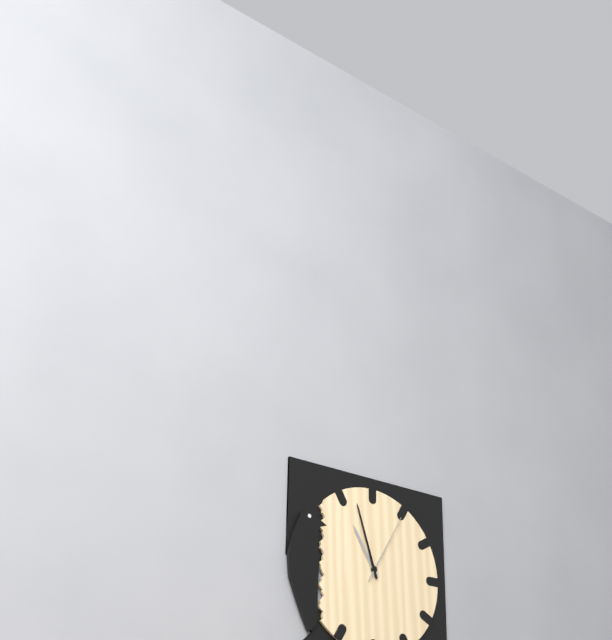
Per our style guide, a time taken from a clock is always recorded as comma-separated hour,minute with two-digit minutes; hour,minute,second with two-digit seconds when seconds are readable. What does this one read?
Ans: 10,57,05
